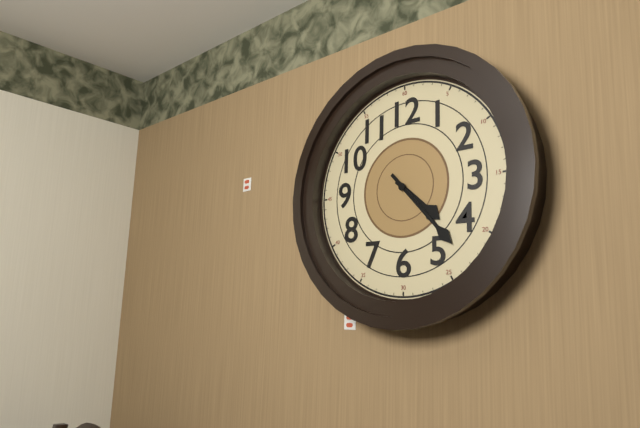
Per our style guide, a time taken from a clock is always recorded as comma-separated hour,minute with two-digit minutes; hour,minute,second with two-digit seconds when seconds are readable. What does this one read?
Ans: 4,23
